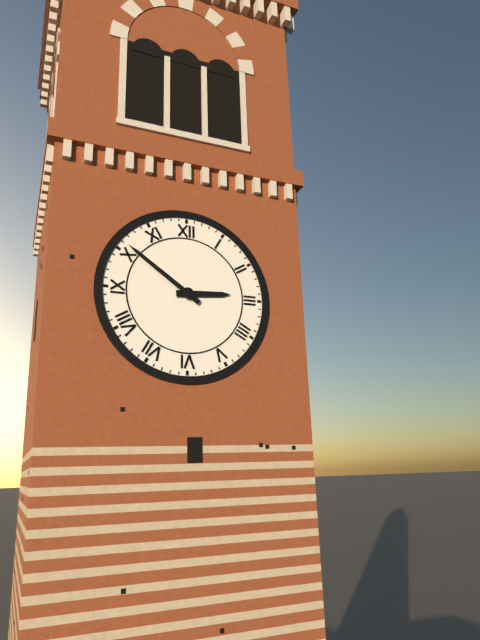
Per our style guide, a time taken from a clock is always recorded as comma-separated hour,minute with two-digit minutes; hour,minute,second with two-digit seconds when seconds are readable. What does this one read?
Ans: 2,51
